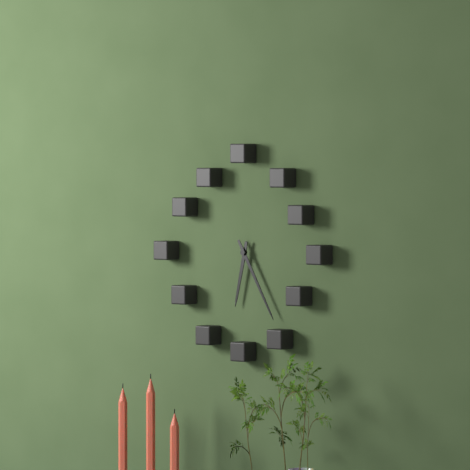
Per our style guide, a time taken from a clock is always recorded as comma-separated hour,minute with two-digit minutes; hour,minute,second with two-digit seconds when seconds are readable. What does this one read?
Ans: 6,25
